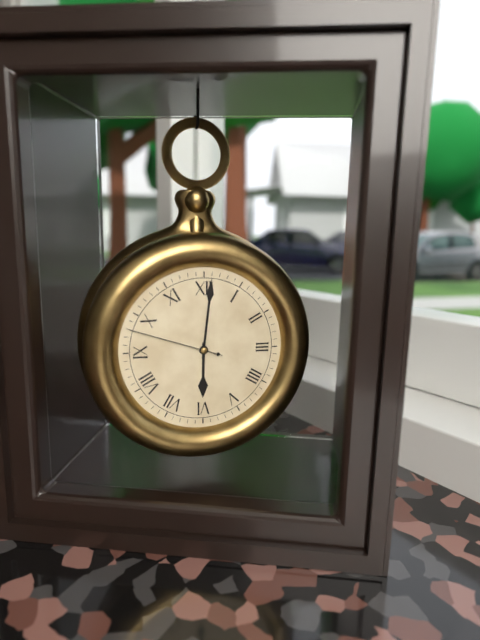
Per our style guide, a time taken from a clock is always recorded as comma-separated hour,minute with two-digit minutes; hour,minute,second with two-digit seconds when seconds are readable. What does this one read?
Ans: 6,01,48
